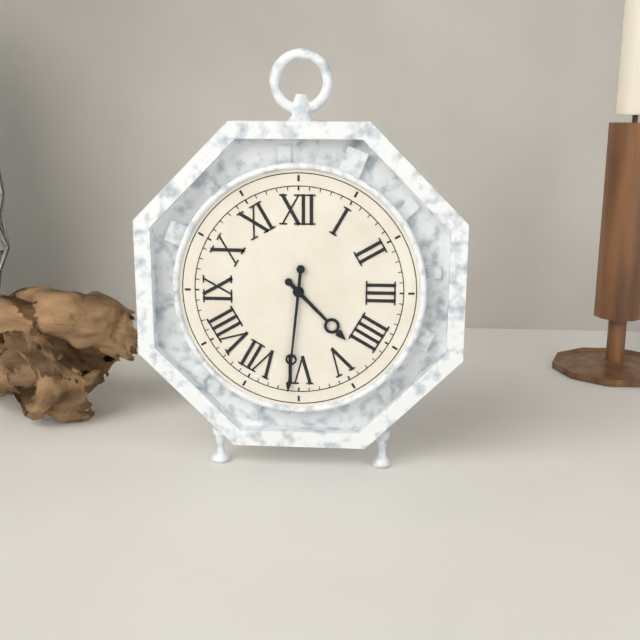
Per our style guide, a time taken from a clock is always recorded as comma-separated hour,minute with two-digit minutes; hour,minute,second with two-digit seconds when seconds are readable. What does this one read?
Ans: 4,31
